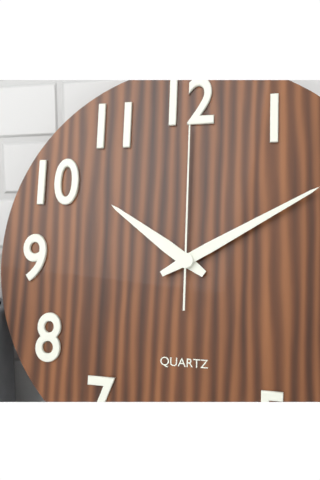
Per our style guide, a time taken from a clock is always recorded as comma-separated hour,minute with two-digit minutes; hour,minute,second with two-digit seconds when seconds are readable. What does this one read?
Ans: 10,10,00
